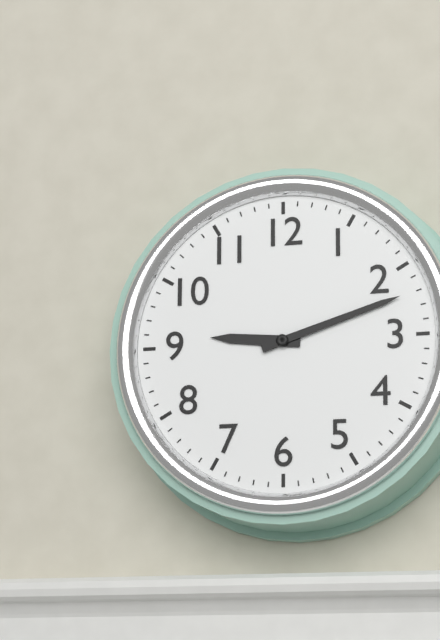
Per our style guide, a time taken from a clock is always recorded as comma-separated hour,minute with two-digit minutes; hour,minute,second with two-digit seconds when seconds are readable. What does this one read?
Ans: 9,12
